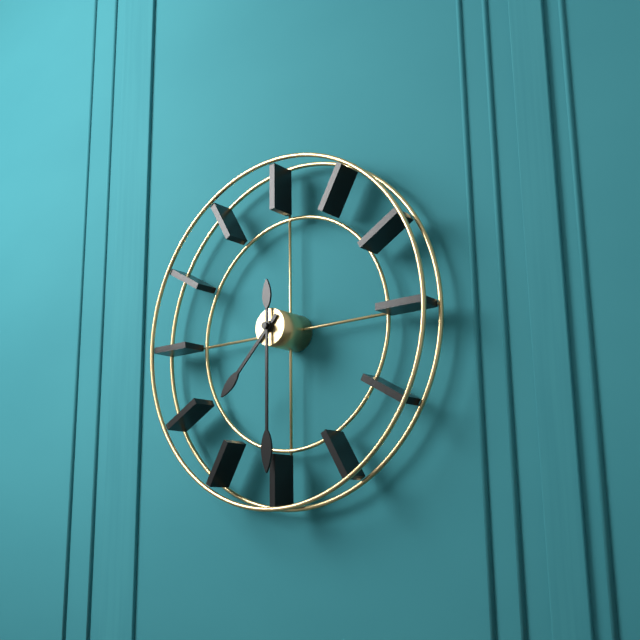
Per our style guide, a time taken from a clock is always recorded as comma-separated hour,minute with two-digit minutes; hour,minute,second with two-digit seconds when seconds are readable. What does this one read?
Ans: 7,30
